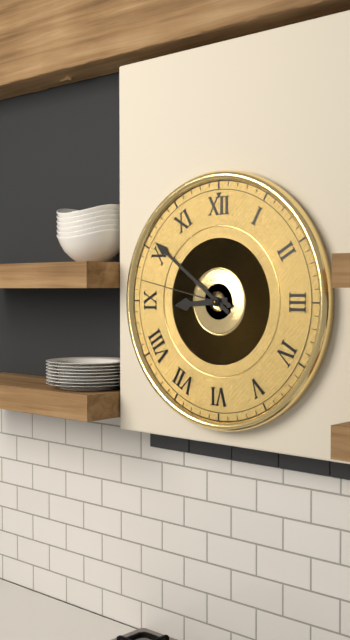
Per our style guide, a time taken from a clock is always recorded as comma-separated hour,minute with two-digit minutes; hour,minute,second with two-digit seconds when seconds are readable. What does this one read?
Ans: 8,51,47
